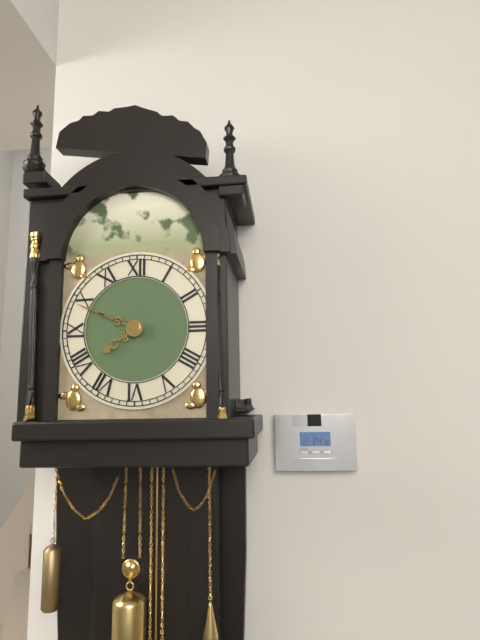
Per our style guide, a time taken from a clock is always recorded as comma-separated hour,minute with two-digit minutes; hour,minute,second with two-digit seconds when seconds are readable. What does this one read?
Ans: 7,49
